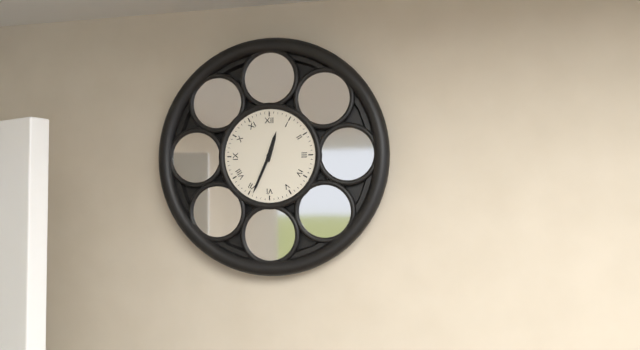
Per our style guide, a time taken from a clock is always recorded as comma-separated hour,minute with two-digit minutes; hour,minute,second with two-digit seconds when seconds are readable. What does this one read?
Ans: 12,34
